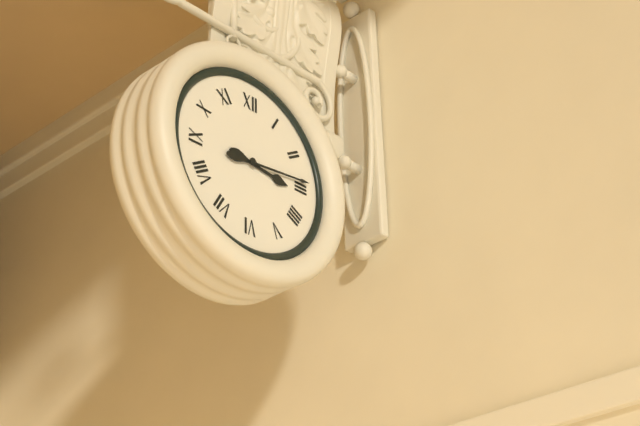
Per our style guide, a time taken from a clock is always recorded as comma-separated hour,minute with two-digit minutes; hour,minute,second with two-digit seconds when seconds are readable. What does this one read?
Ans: 3,14
